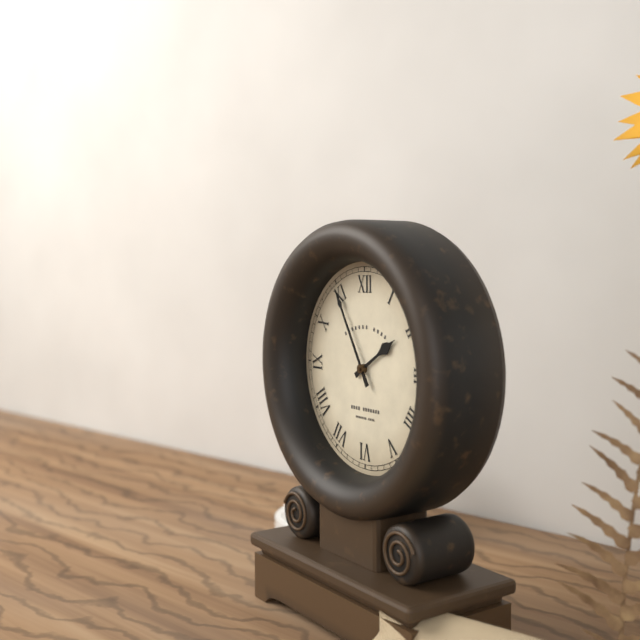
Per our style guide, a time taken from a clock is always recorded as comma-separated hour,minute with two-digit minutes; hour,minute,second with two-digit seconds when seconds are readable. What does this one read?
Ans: 1,55
